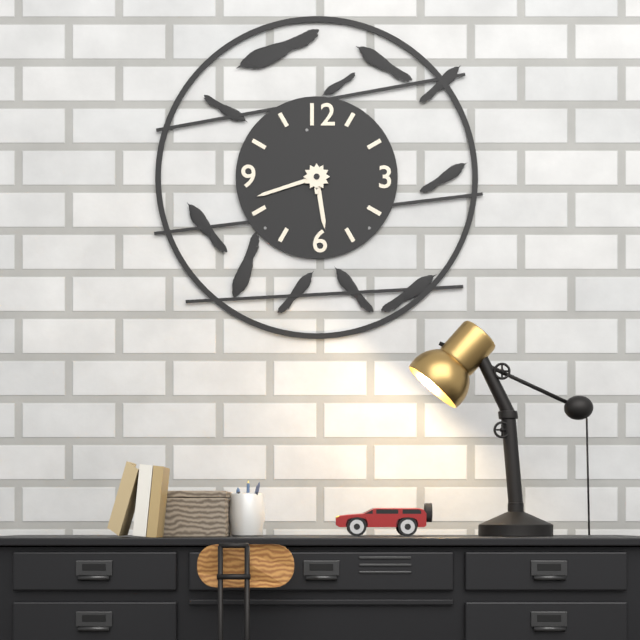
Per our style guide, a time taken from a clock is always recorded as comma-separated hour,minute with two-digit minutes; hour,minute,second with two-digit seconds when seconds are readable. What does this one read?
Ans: 5,42
